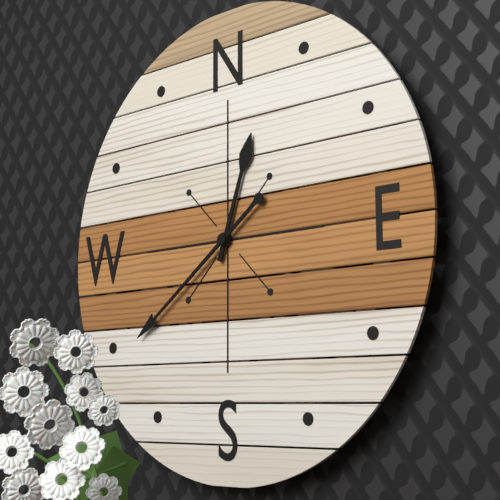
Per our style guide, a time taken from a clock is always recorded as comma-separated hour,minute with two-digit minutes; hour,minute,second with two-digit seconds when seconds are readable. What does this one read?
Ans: 12,39
